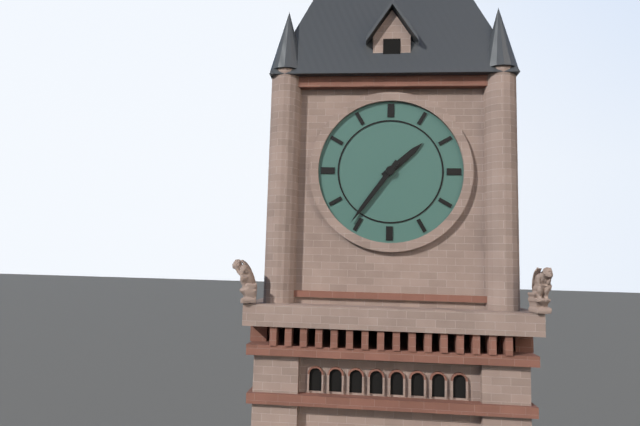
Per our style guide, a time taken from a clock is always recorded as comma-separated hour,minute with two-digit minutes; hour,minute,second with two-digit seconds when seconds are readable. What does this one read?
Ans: 1,36
